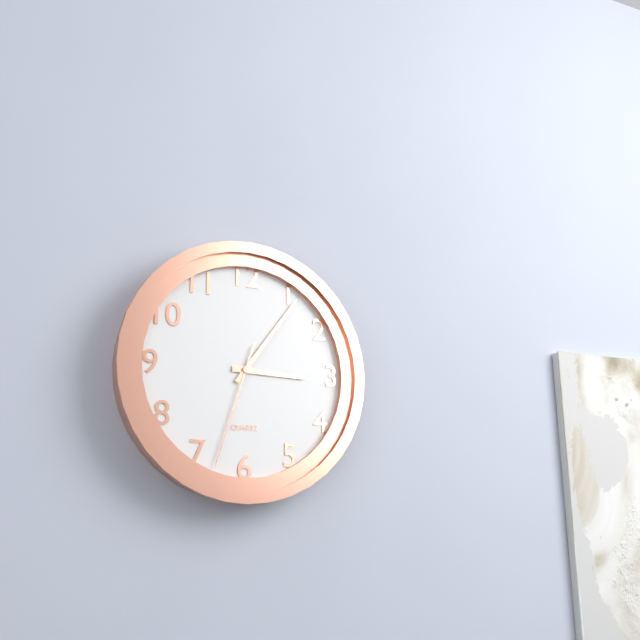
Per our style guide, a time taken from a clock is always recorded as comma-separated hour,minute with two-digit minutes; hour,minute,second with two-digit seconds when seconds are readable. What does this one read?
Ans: 3,06,33
